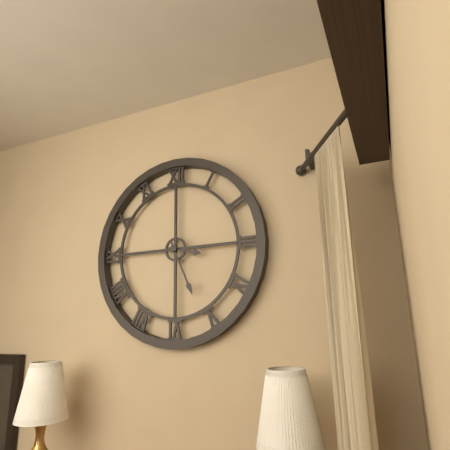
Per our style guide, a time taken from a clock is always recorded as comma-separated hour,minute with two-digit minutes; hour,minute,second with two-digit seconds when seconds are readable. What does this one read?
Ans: 3,26
